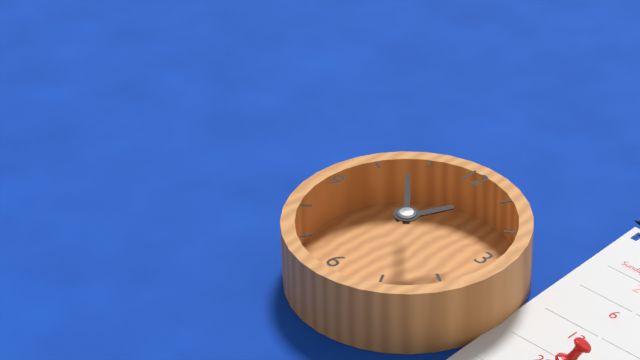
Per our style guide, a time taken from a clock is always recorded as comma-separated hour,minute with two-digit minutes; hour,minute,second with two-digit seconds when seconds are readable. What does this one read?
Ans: 12,53
